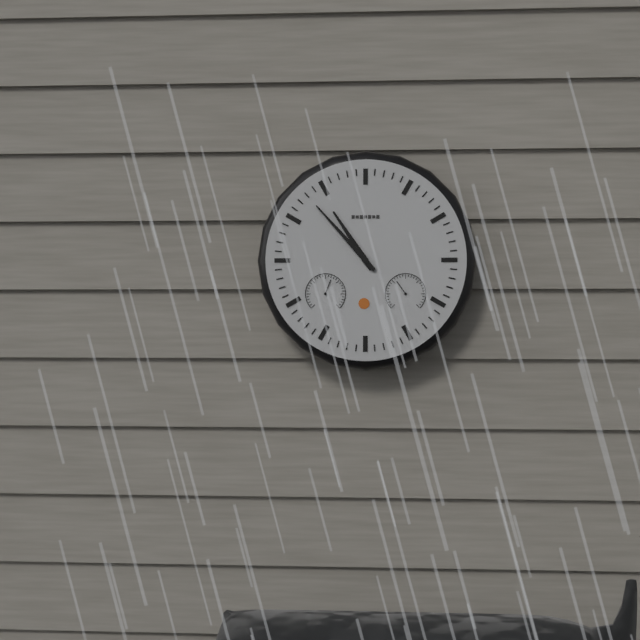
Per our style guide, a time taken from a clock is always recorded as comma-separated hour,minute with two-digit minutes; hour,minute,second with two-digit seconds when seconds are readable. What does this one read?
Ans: 10,53
